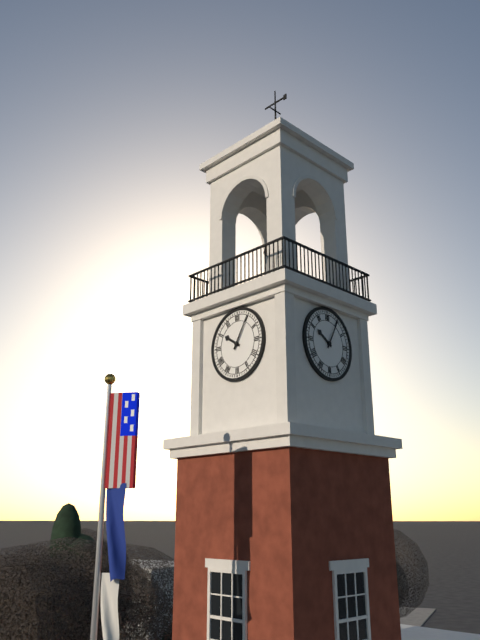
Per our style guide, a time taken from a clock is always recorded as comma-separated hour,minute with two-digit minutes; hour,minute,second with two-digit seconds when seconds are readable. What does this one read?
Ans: 10,05
